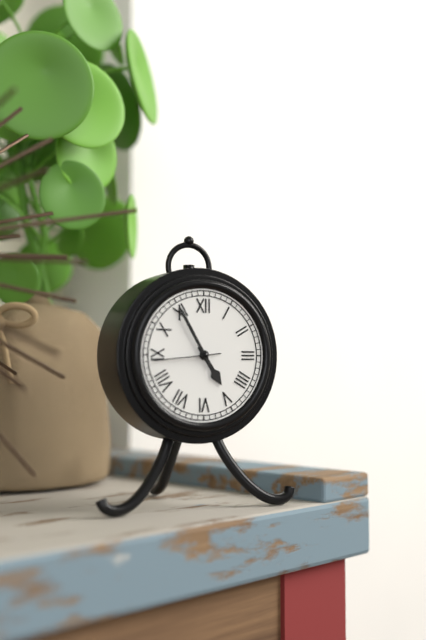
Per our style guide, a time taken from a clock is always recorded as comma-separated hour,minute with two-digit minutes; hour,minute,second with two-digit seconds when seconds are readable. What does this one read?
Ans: 4,55
